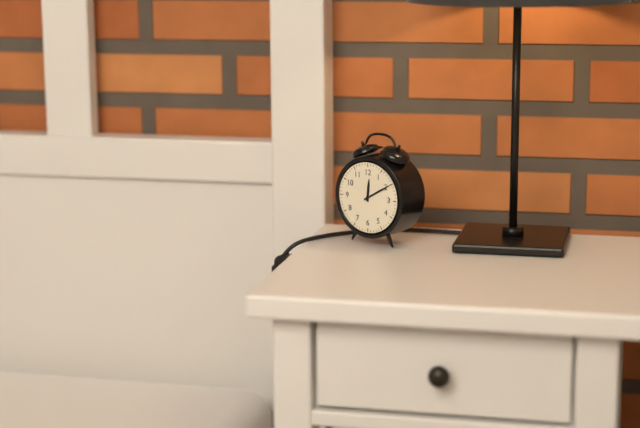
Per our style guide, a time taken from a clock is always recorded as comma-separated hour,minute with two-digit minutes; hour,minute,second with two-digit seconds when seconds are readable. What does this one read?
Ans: 12,10
